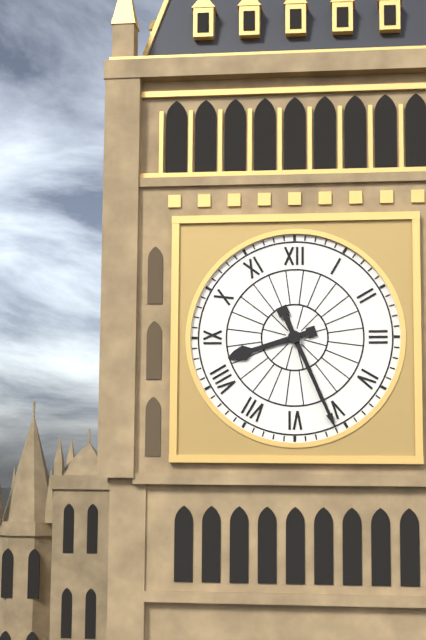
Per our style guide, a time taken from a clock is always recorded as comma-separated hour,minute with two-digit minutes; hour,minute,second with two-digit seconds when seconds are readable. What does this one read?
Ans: 8,26
